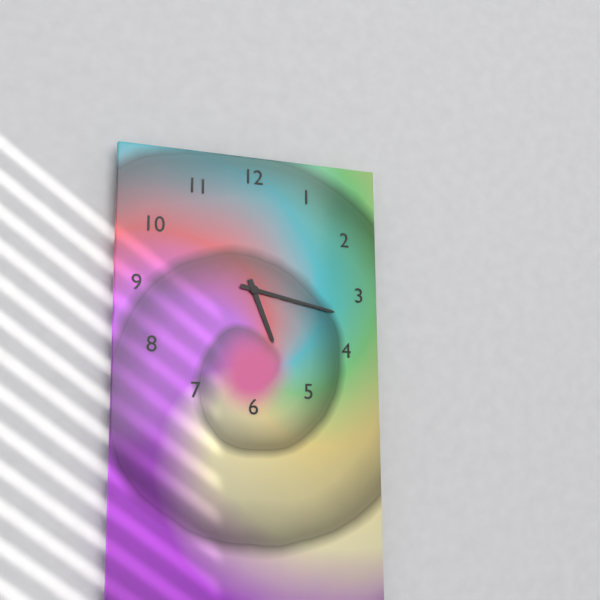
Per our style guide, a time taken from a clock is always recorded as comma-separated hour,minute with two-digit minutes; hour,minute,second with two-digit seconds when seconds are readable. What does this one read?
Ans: 5,17
